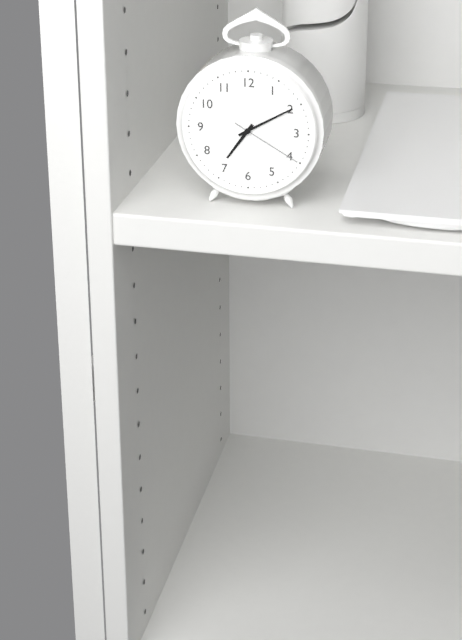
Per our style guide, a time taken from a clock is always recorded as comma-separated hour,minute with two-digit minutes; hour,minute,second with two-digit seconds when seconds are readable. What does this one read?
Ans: 7,10,20
